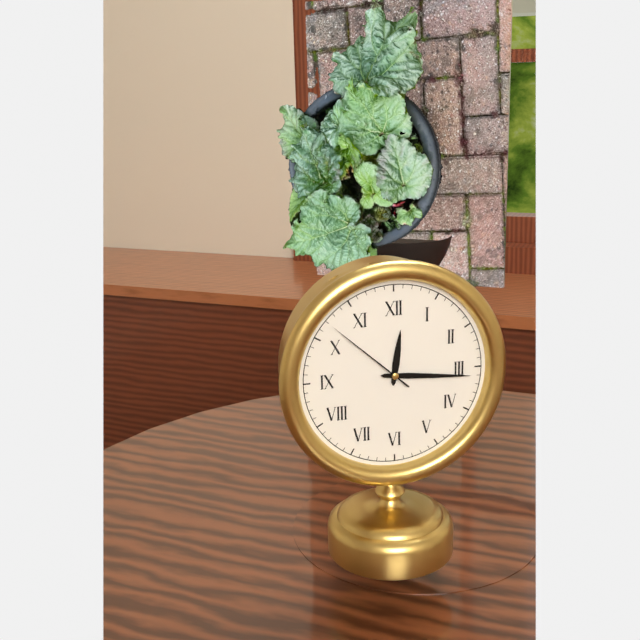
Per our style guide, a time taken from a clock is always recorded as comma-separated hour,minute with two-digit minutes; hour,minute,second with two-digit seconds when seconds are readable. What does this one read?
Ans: 12,16,52
